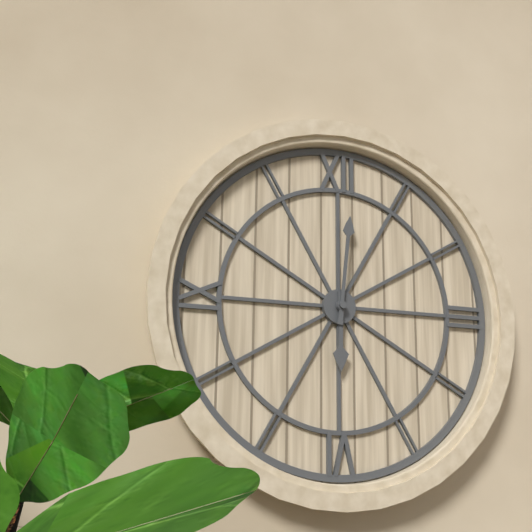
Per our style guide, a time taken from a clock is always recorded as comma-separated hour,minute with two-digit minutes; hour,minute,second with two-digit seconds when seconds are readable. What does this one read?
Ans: 6,01
